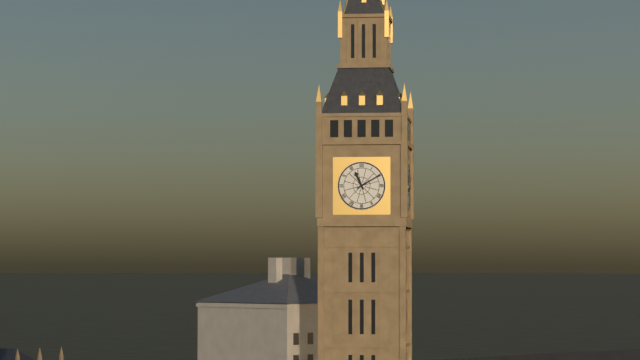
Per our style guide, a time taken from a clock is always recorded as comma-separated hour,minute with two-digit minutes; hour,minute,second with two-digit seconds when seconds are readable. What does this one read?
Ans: 11,10
